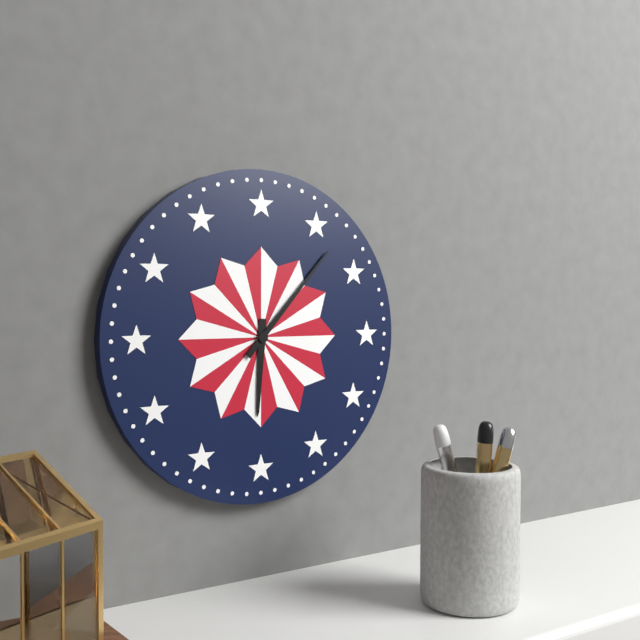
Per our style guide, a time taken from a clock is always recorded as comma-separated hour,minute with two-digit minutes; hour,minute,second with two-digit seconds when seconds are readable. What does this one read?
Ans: 6,07
